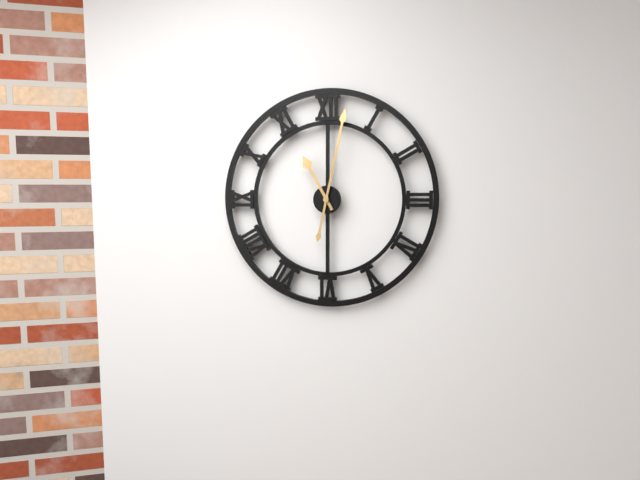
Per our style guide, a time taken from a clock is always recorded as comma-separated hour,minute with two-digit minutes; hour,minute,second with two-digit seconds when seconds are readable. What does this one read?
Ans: 11,02
